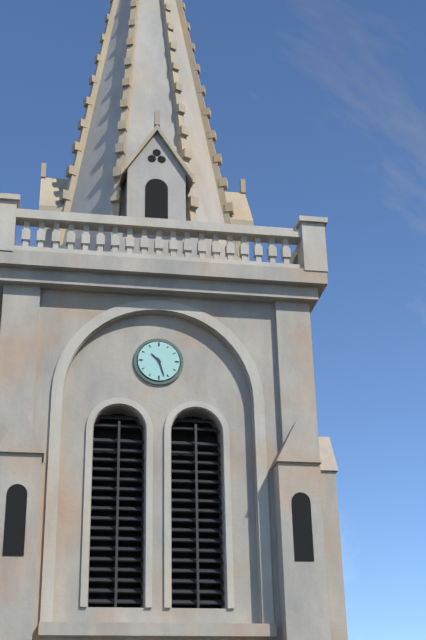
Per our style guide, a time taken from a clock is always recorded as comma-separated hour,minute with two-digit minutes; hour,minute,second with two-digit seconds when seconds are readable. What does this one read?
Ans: 10,27
